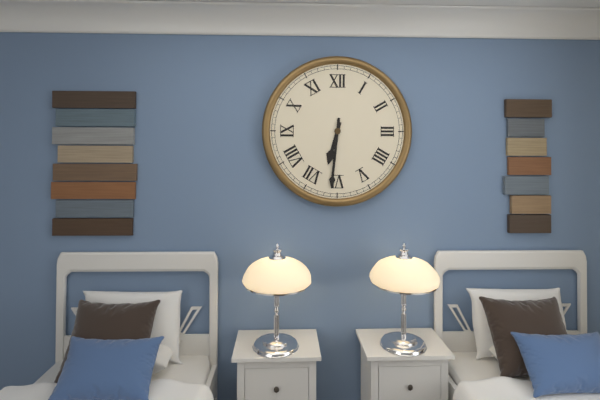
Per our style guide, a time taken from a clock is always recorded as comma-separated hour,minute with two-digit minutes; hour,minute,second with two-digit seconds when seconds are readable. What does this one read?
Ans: 6,31
